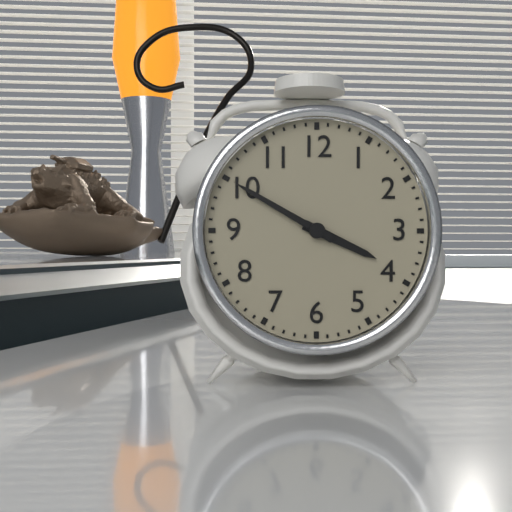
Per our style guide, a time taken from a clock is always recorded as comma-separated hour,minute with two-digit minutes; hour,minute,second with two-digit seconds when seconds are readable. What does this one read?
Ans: 3,50
